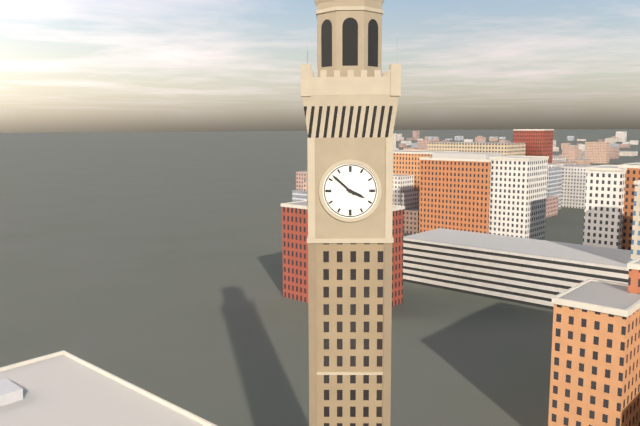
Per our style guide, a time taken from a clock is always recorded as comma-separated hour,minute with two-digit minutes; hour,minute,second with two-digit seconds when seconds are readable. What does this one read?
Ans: 3,52
